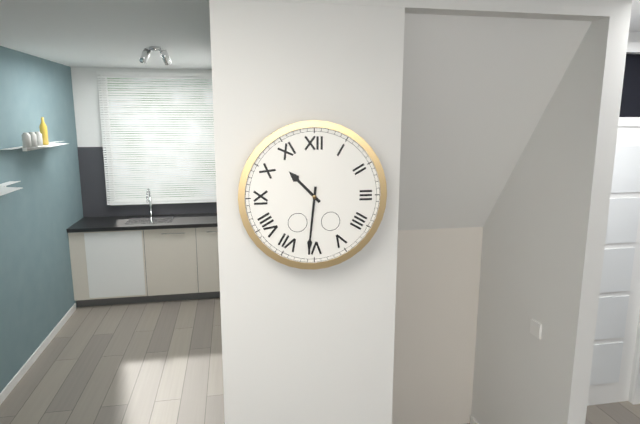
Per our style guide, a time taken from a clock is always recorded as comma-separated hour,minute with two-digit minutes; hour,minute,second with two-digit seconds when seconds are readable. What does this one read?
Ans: 10,31
